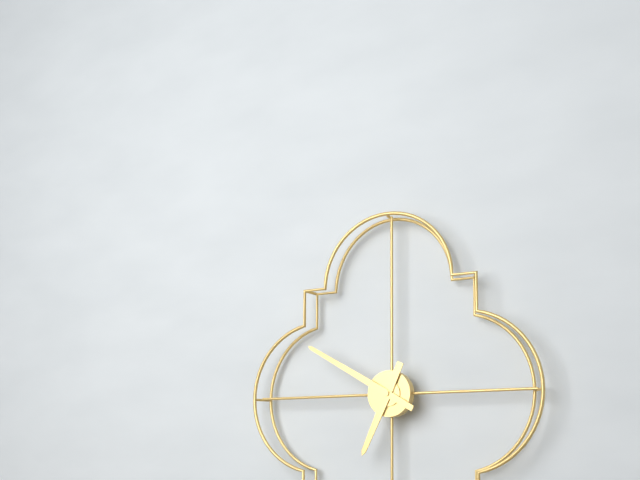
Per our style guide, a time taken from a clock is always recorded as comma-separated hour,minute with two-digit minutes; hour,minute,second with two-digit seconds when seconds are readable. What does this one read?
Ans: 6,50
